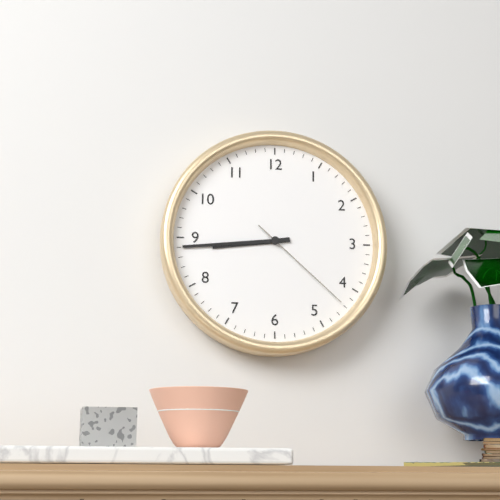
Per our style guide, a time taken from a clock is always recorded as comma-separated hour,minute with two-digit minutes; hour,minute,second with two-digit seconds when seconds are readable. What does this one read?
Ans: 8,44,22
